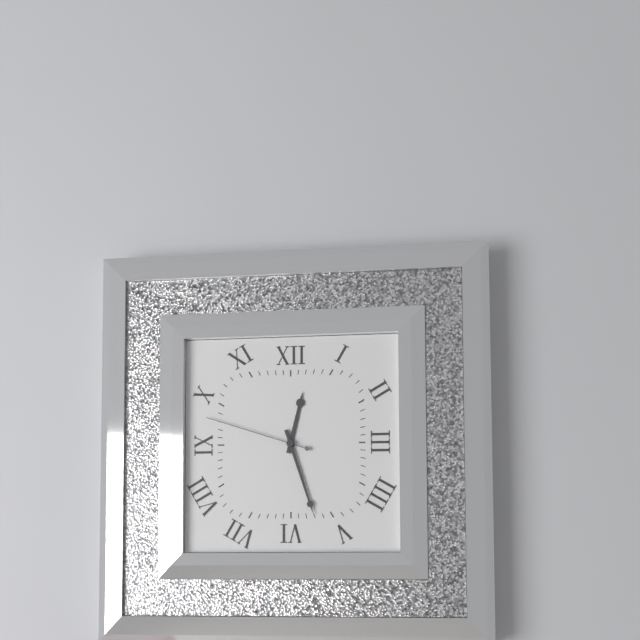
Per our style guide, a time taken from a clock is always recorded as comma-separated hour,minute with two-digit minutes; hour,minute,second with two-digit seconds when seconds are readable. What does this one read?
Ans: 12,27,48
